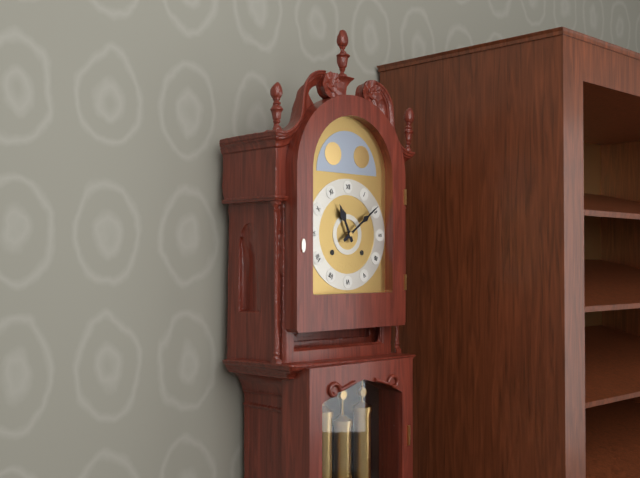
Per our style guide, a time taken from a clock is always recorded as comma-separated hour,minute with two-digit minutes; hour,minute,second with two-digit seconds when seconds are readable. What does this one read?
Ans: 11,09
